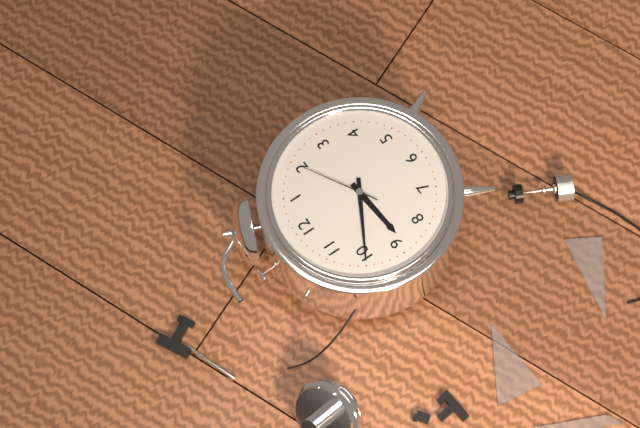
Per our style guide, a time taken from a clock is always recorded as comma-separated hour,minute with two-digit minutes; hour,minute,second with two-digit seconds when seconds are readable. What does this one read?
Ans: 8,50,10
